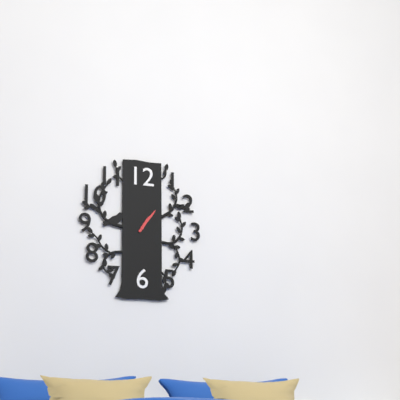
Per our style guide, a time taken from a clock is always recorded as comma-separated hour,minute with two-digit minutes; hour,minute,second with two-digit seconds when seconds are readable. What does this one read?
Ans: 1,06
